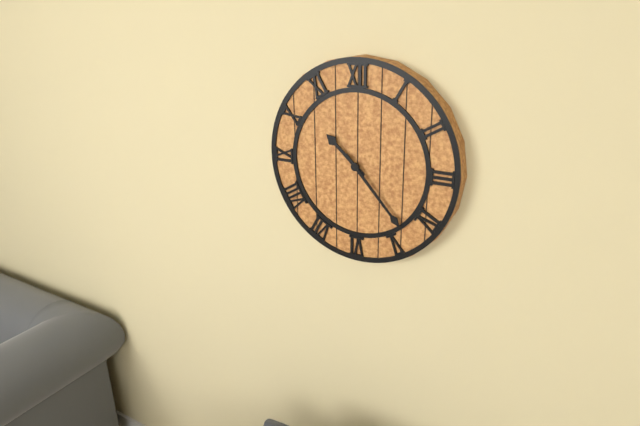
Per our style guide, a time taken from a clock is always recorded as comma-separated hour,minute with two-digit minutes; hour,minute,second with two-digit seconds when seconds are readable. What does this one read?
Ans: 10,23
